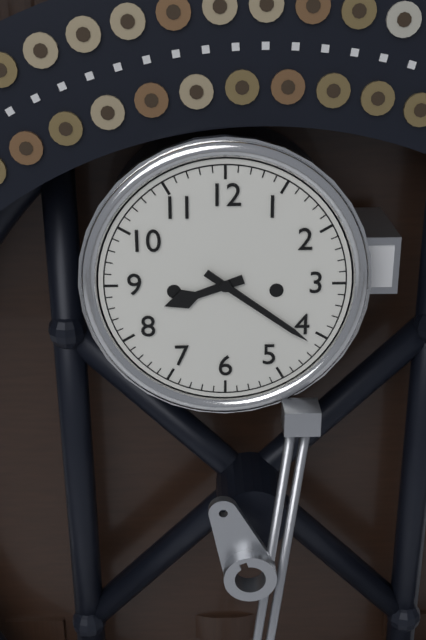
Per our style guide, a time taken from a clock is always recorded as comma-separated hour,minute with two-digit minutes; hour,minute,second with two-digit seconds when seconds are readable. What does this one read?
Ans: 8,21
